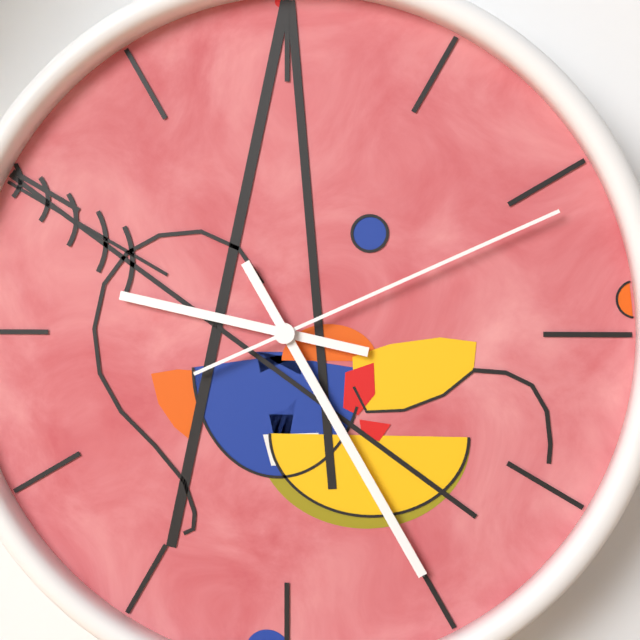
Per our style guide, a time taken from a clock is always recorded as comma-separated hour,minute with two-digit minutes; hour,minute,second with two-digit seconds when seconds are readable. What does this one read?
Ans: 9,25,11
